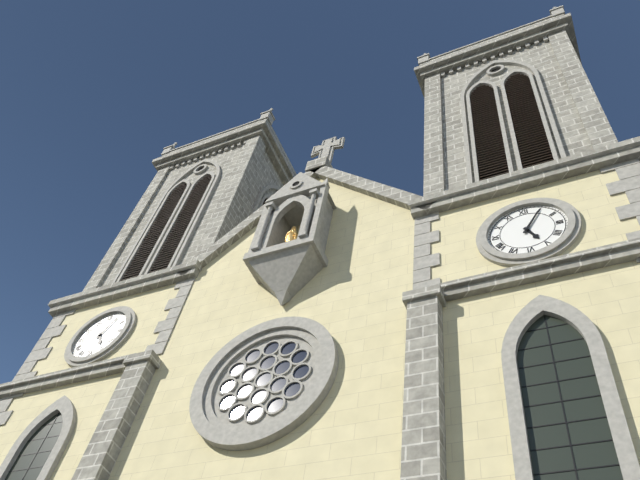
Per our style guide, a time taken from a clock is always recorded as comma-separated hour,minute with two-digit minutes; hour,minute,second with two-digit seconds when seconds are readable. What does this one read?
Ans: 5,05
